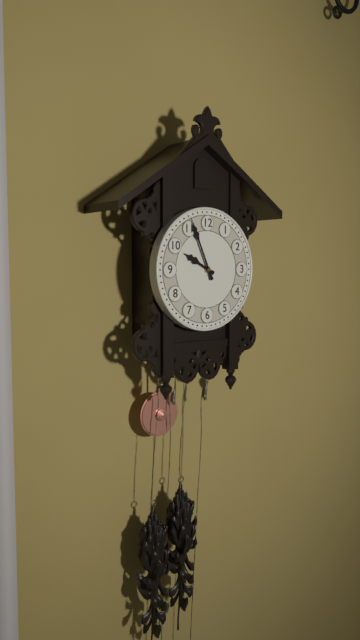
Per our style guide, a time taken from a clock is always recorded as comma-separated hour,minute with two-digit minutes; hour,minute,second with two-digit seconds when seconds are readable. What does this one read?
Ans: 9,56
